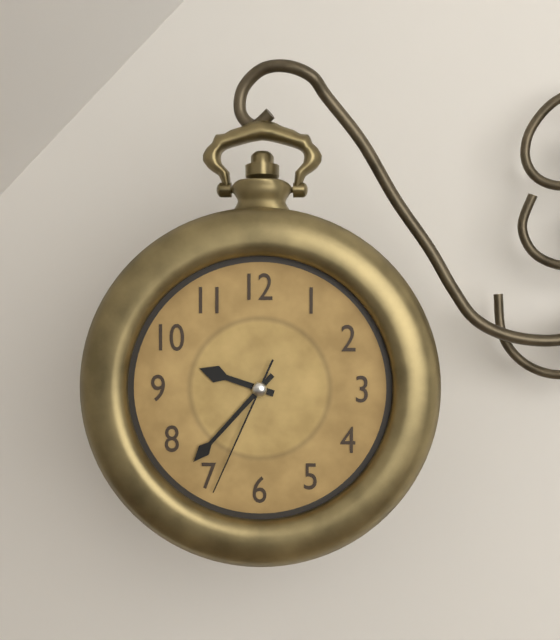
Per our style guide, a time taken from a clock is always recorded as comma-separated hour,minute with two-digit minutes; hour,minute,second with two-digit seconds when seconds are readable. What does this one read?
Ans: 9,37,34
